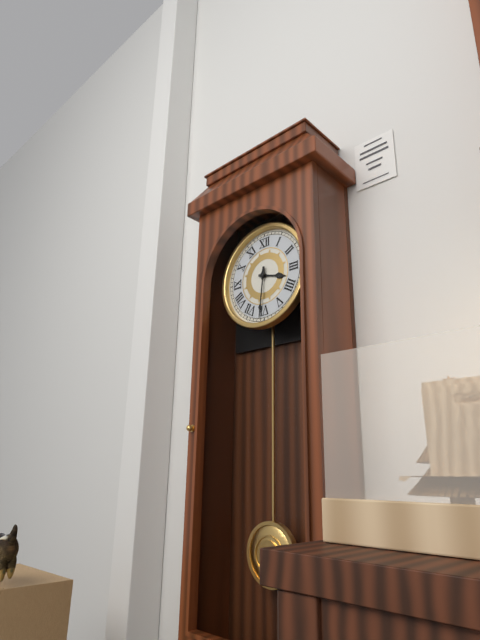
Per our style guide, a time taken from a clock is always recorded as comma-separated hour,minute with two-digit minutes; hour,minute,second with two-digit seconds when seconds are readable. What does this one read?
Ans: 3,31
